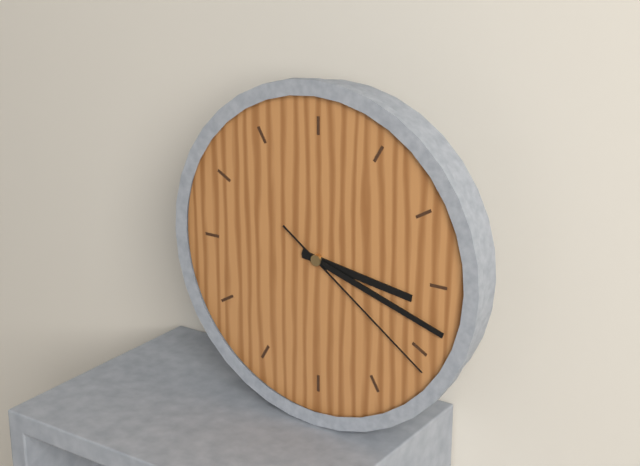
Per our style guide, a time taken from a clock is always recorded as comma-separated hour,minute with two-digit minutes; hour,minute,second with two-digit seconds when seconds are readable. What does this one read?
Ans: 3,18,21
